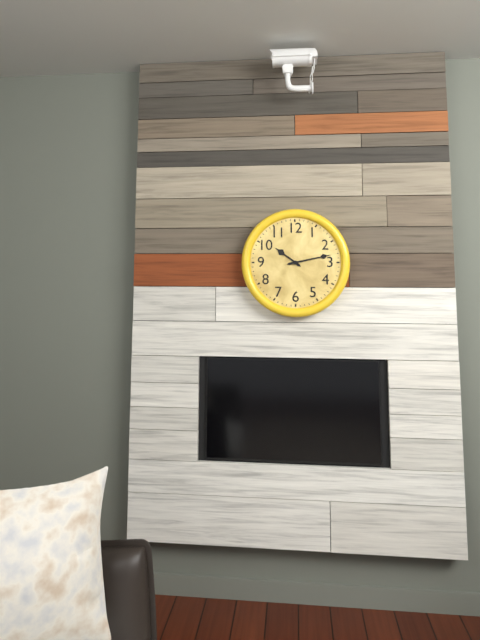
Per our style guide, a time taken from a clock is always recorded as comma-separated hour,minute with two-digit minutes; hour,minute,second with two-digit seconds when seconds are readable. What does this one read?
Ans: 10,13
